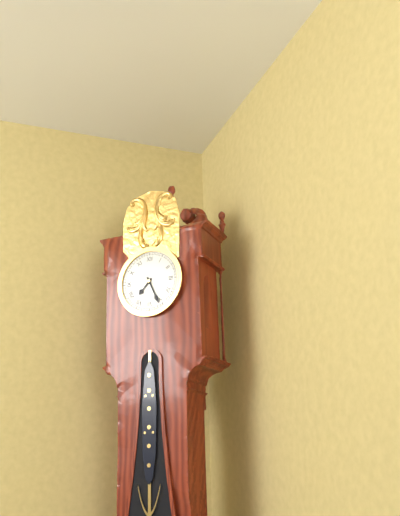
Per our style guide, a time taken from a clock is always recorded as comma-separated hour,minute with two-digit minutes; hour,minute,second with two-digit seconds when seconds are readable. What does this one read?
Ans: 7,26
